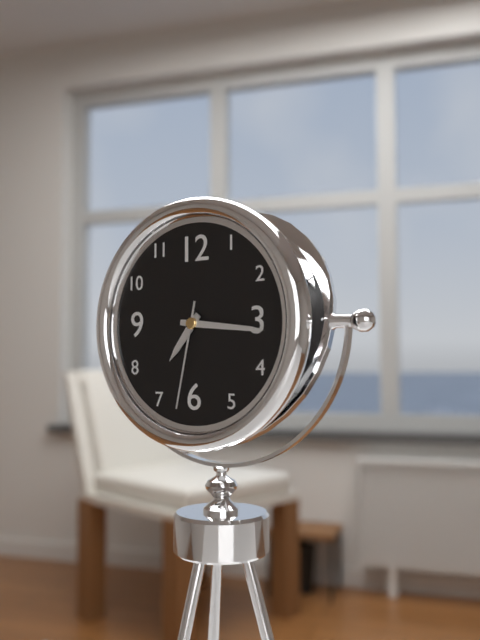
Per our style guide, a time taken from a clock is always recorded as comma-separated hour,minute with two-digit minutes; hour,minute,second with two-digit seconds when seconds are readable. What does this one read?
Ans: 7,16,32
